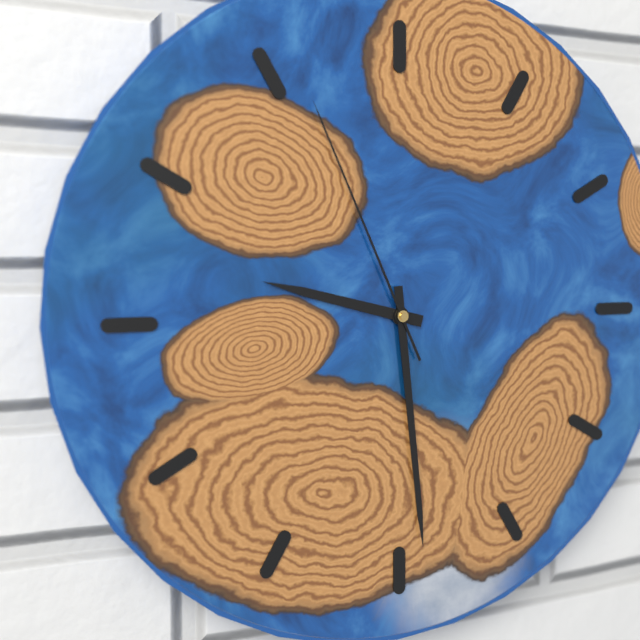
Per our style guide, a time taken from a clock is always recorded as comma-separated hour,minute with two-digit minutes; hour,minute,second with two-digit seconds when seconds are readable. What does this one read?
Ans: 9,29,56
